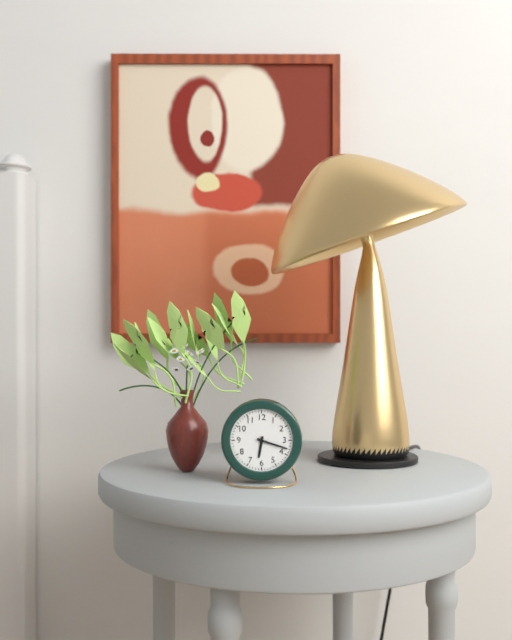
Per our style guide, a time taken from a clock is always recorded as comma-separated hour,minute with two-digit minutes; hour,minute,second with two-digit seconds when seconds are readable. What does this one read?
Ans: 6,18
